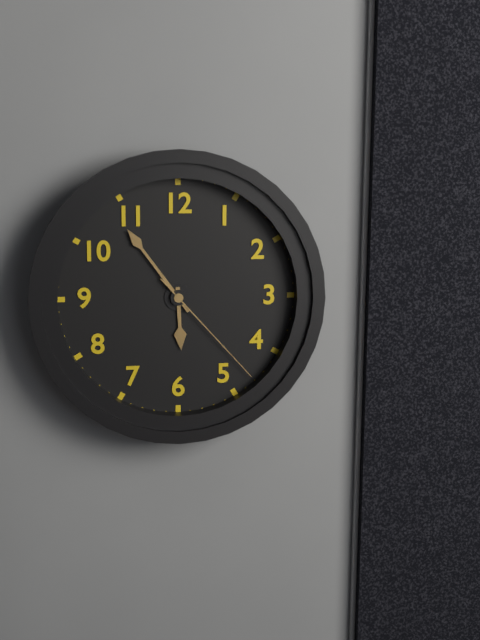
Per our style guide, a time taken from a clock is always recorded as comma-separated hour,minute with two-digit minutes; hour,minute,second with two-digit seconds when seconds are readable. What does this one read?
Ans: 5,54,23
